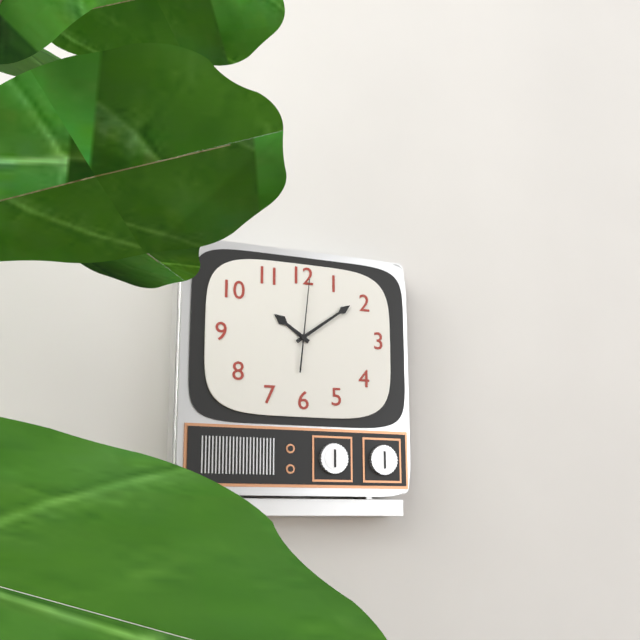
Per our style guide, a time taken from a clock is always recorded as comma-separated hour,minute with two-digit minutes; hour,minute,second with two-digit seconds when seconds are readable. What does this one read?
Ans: 10,09,01
